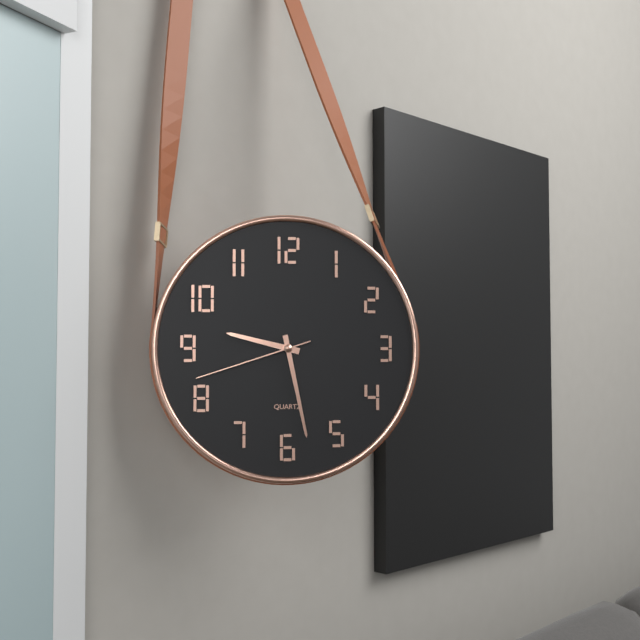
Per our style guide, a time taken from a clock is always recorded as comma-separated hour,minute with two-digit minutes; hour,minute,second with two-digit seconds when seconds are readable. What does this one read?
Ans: 9,28,42
